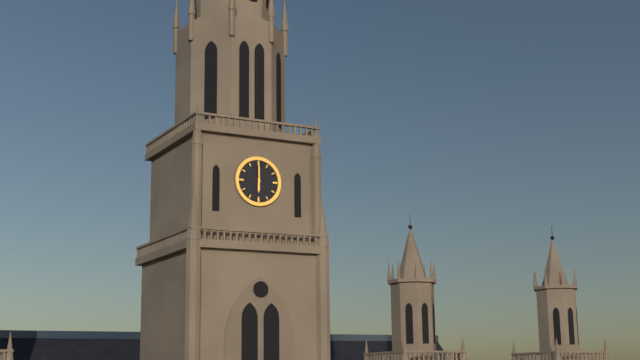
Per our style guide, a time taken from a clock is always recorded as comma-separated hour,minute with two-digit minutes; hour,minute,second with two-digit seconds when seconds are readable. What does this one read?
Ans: 6,00
